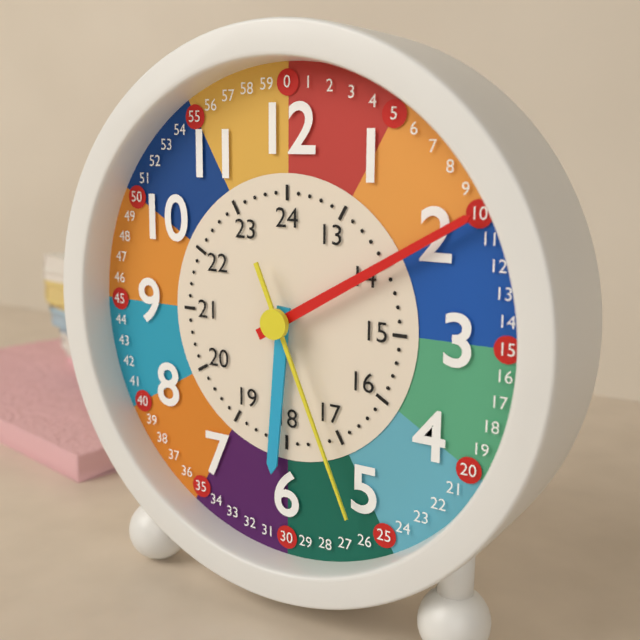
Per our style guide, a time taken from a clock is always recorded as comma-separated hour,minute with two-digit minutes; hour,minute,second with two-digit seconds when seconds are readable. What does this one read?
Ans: 6,10,26
